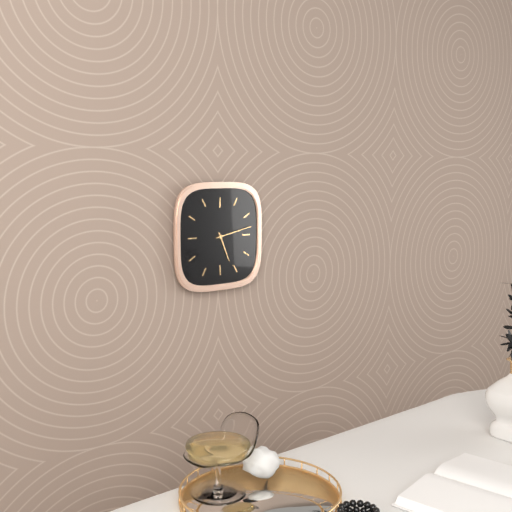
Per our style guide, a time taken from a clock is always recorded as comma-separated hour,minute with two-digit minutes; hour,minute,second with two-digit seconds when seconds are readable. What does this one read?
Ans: 5,13
